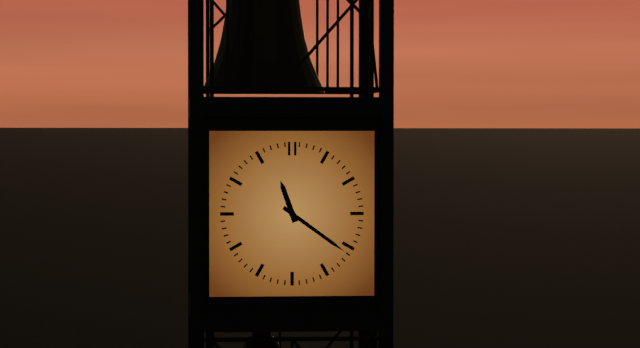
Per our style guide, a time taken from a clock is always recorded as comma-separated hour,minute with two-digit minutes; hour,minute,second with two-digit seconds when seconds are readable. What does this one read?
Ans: 11,21
